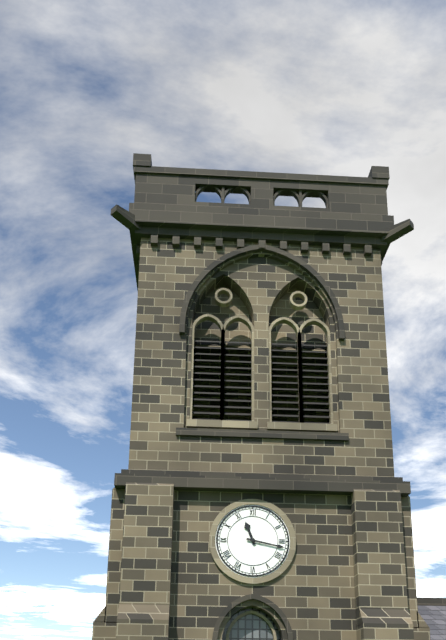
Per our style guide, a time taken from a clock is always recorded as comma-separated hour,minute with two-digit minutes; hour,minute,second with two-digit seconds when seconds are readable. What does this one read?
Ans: 11,17
